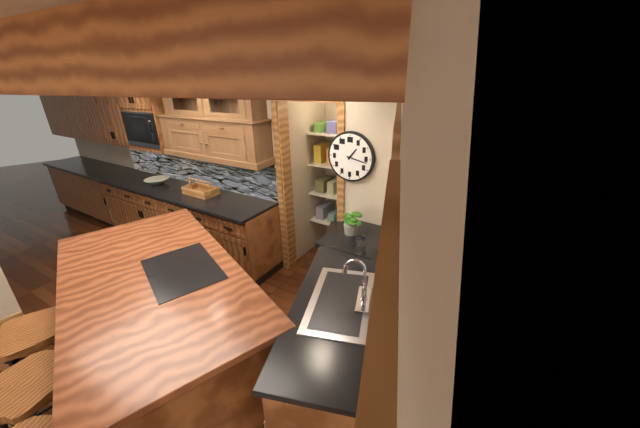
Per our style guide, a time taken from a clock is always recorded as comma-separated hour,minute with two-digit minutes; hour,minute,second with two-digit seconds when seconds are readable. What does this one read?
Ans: 1,17
